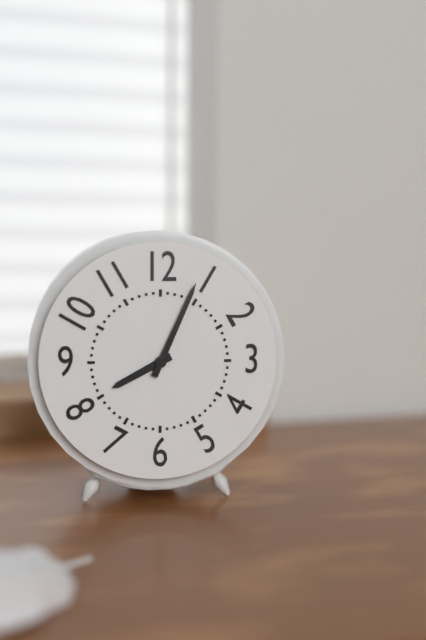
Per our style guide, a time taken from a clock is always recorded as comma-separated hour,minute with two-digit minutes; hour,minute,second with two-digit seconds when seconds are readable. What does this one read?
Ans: 8,04
